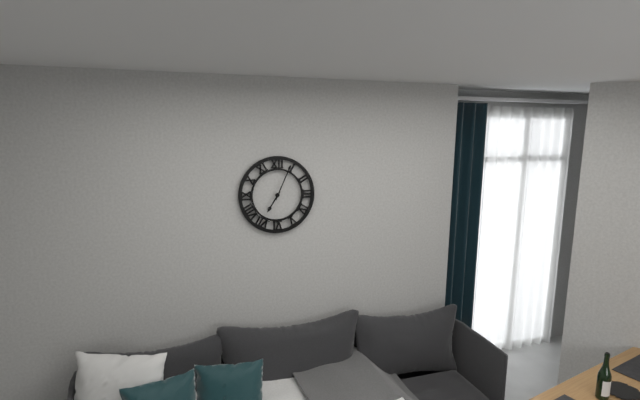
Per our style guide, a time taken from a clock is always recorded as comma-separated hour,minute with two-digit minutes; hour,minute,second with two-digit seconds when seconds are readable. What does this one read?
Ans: 7,04
